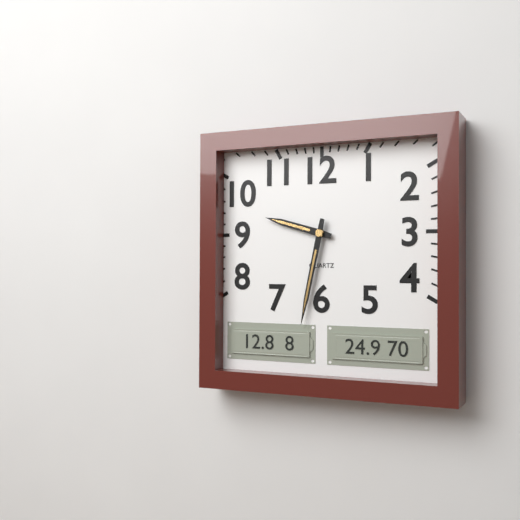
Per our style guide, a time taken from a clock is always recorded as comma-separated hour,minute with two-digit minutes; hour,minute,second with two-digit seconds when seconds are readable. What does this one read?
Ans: 9,32
